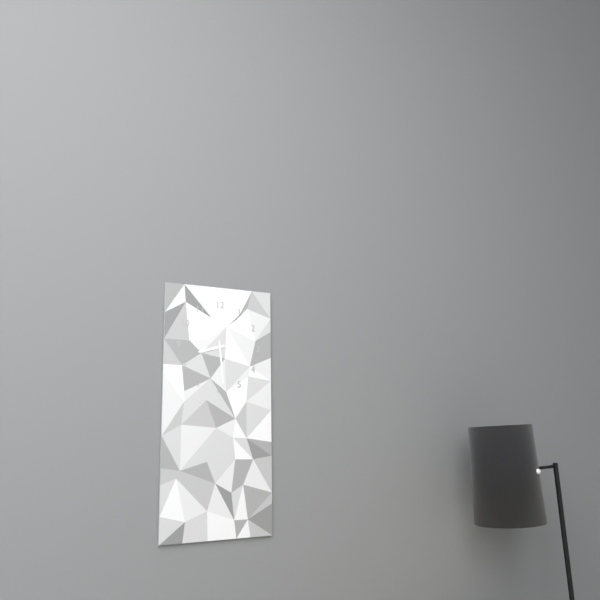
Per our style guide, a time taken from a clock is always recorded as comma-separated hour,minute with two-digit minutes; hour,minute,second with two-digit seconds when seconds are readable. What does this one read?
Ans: 8,29
